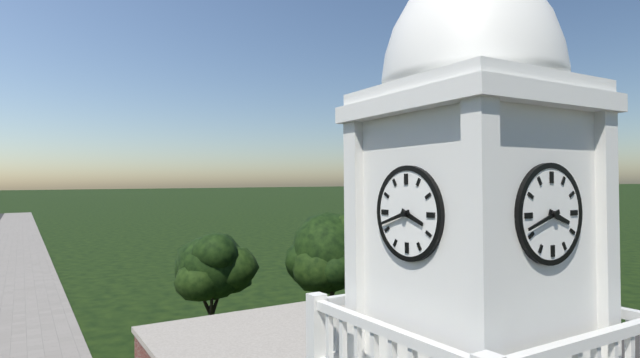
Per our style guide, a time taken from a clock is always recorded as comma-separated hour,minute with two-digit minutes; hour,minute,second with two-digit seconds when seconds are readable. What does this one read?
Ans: 3,42
